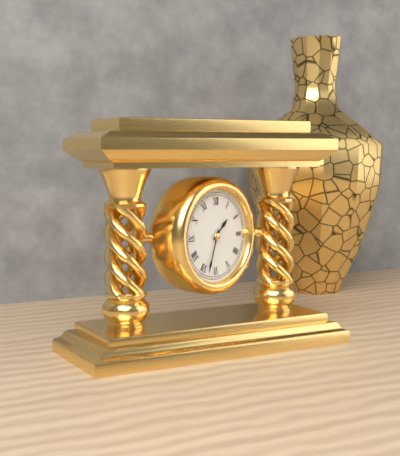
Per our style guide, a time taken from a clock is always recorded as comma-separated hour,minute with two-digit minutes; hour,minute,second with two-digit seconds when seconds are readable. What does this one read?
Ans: 1,33
